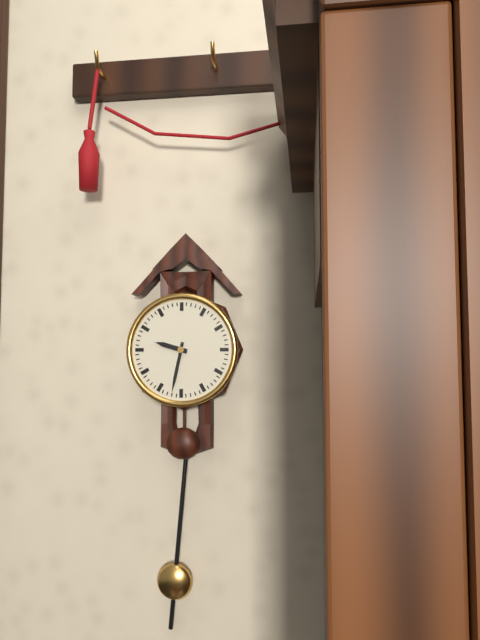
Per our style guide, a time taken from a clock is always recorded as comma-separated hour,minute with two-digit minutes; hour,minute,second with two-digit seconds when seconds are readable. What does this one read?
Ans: 9,32
